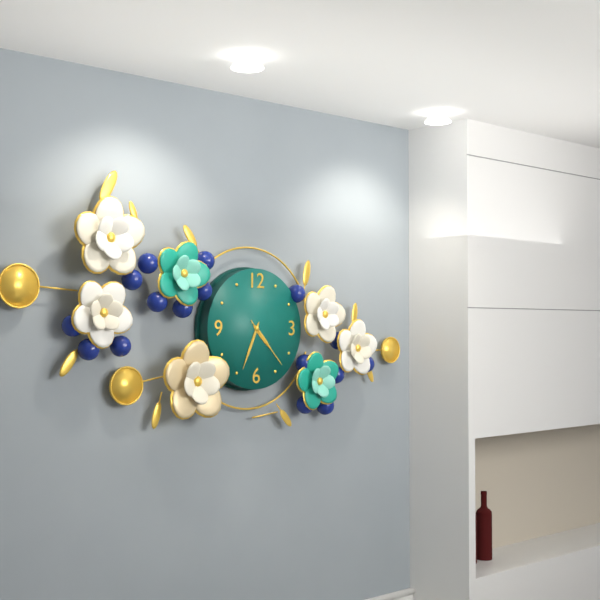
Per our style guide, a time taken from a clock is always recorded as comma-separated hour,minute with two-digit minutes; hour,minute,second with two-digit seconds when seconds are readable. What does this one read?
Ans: 4,34,23
